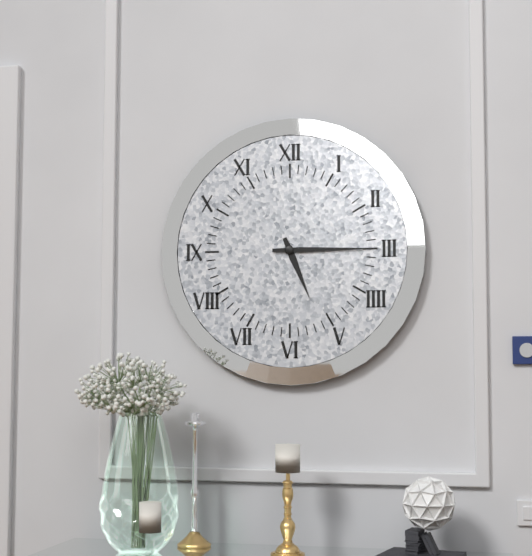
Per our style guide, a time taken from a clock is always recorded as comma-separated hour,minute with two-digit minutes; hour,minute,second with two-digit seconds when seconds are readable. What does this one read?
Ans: 5,15
